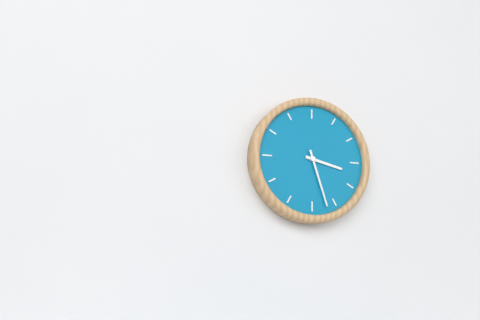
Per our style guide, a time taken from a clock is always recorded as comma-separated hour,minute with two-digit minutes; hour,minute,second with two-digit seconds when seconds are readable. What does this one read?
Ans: 3,27
